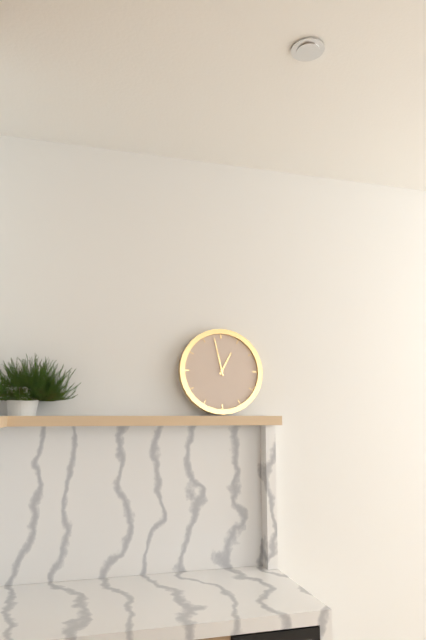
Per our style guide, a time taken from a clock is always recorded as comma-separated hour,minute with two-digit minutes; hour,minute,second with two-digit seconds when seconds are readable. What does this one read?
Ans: 12,58
